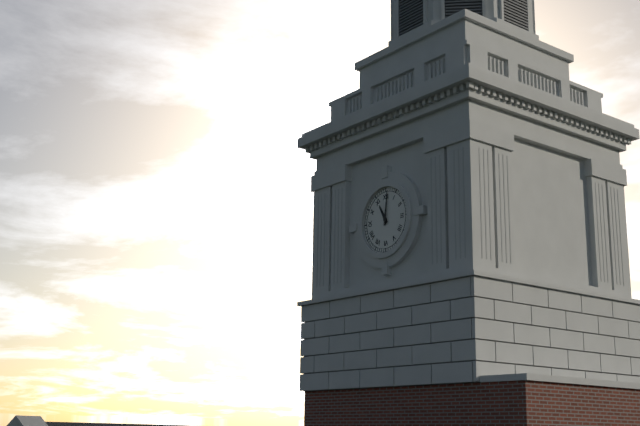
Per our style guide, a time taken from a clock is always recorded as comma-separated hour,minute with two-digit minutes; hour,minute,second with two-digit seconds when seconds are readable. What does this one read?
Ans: 11,01
